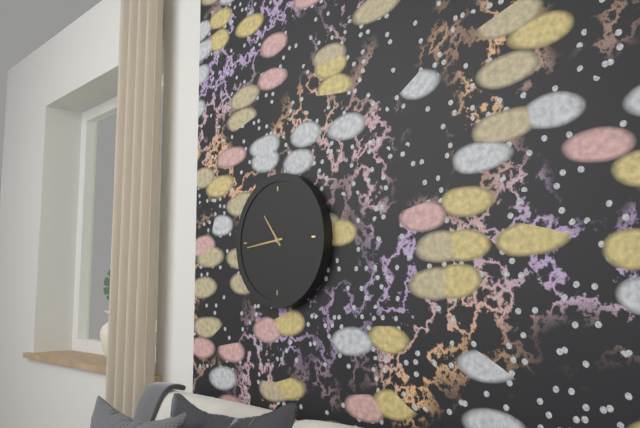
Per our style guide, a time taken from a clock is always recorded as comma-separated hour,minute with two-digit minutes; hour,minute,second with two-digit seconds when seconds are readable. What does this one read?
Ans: 10,44
